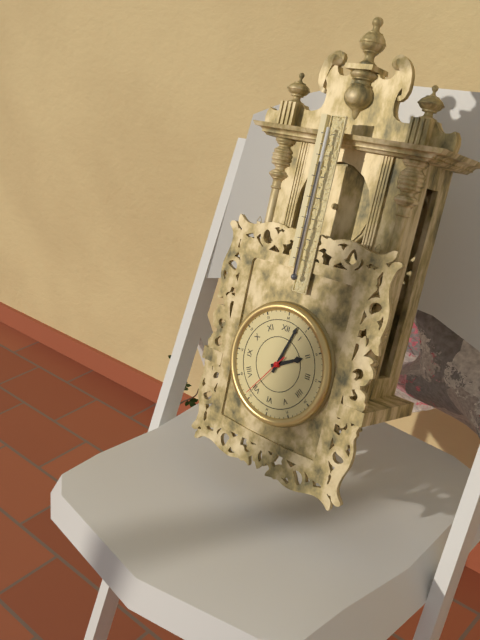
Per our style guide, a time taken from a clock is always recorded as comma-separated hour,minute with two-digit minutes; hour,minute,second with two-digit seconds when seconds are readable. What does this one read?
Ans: 2,03,36
